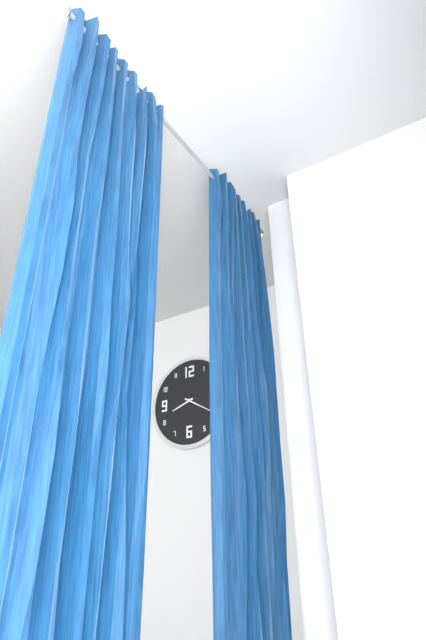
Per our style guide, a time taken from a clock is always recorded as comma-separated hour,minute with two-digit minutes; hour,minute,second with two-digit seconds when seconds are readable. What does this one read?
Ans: 8,20
